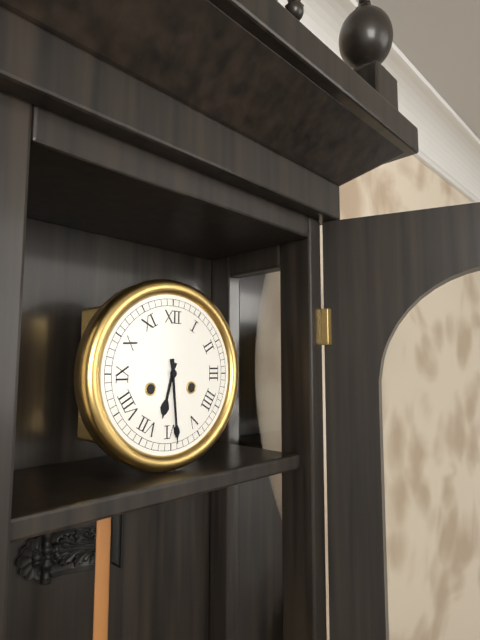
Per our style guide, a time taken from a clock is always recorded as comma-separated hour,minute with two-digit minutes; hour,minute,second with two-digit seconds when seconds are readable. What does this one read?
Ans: 6,29
